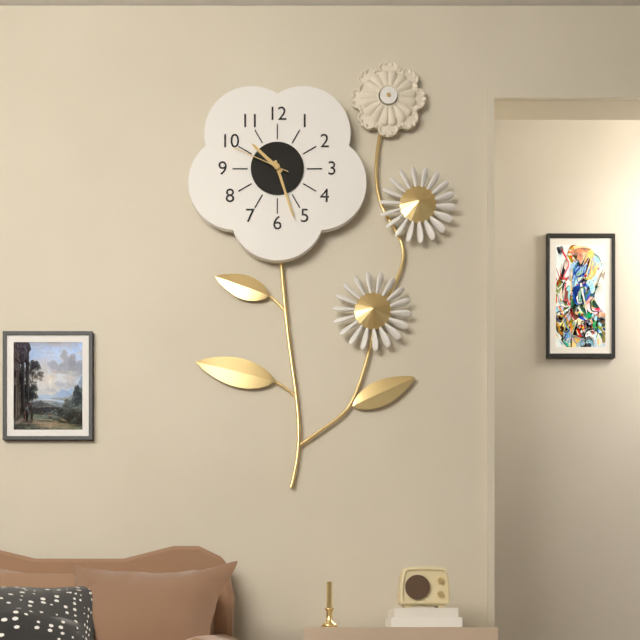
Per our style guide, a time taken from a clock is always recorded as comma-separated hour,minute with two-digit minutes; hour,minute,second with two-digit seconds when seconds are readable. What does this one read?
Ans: 10,27,49
